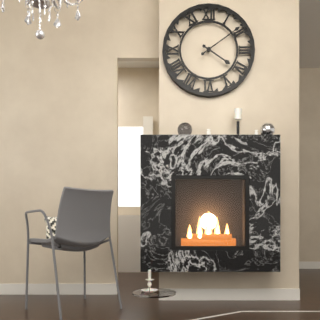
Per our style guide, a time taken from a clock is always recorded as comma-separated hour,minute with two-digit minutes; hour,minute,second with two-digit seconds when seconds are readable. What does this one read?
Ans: 4,09
